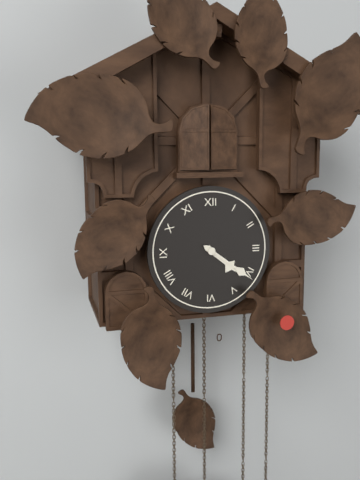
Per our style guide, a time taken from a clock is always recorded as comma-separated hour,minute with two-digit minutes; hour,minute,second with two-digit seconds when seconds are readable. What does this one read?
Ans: 4,21
